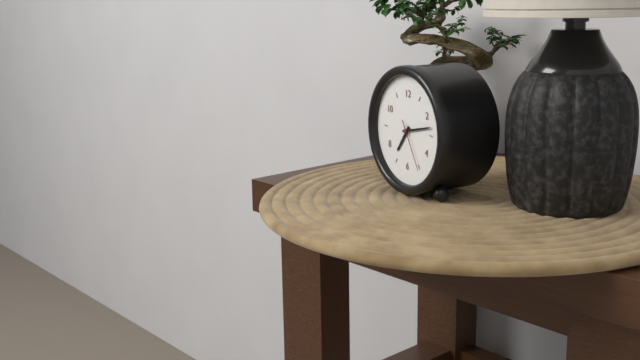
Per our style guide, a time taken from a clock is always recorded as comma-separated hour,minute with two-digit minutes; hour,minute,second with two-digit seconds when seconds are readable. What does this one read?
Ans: 7,13,25
